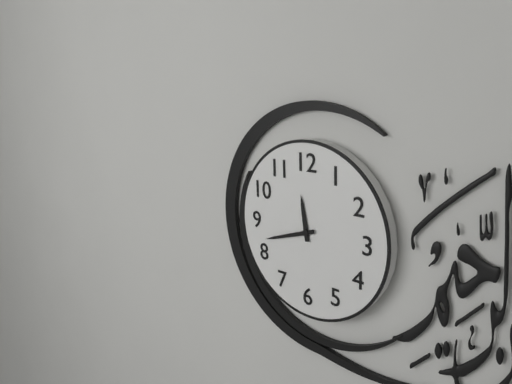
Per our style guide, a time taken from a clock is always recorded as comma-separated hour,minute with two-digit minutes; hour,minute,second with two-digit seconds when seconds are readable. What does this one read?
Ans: 11,42
